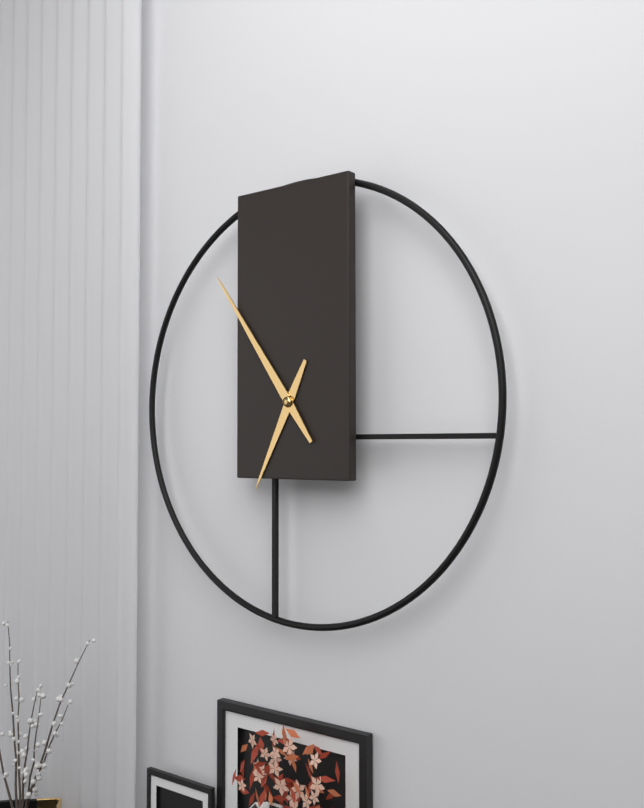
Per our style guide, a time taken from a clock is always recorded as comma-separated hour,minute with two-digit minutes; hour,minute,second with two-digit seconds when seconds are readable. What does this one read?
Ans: 6,54
